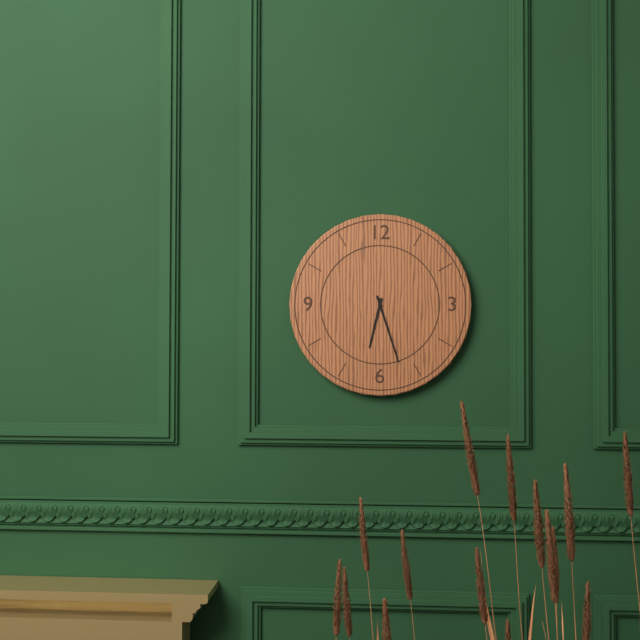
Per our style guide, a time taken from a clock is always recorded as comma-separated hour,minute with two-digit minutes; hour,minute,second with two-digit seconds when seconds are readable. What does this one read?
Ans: 6,27
